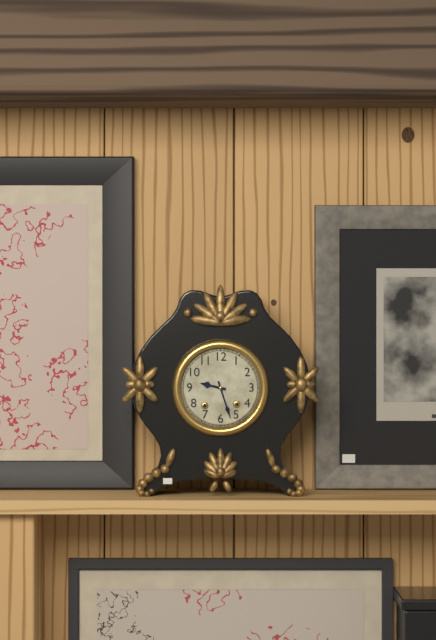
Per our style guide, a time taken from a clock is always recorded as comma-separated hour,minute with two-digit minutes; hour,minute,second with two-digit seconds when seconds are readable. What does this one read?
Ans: 9,27
